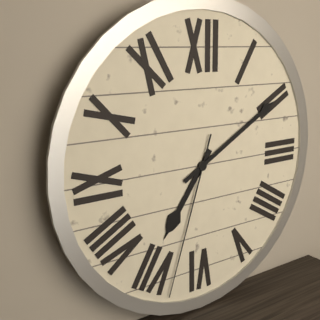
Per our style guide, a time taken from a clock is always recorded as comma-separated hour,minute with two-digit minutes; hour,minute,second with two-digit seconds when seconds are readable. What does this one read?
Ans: 7,10,33
